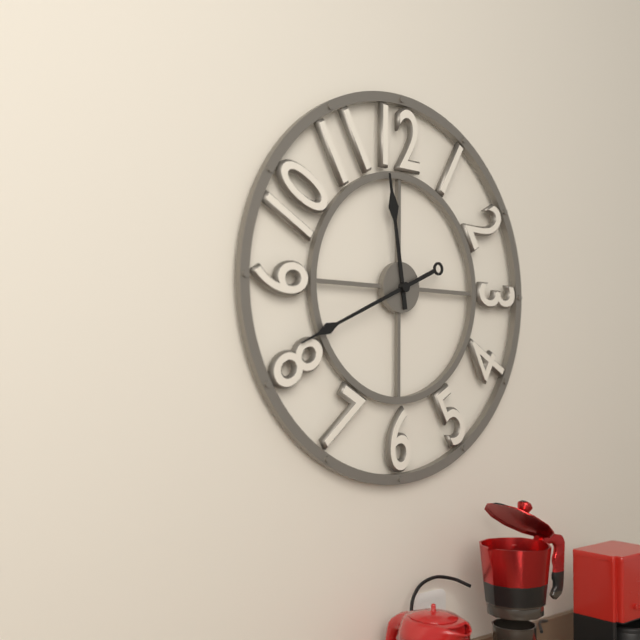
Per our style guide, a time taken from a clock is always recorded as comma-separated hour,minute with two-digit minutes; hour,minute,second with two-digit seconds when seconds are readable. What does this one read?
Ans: 11,41
